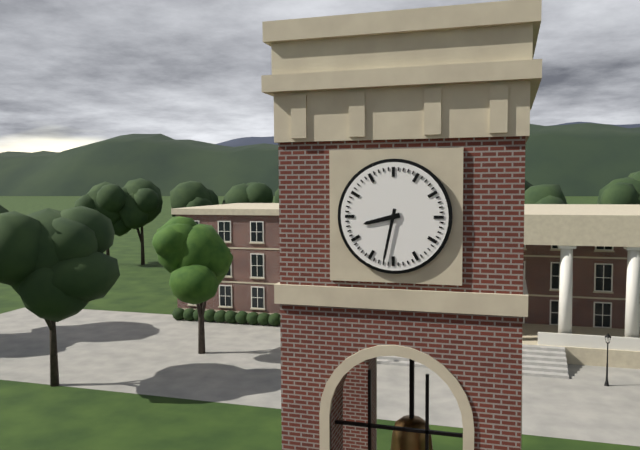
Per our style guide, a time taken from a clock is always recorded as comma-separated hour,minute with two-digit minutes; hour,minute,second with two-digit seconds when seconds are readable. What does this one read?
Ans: 8,32
